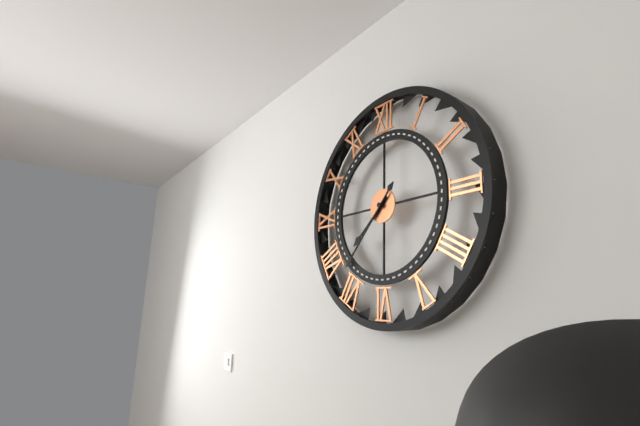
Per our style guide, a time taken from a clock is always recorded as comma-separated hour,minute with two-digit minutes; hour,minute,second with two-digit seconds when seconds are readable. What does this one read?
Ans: 7,37
